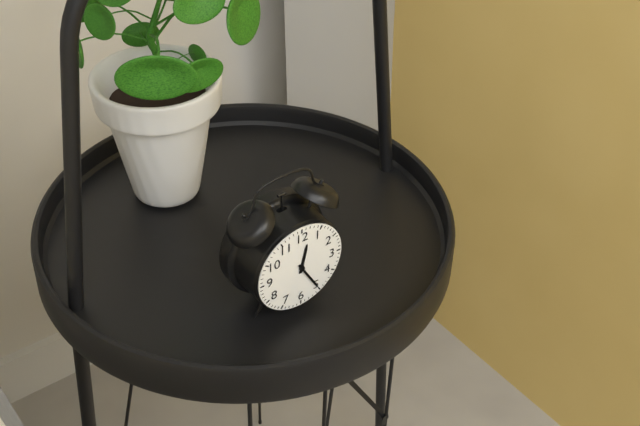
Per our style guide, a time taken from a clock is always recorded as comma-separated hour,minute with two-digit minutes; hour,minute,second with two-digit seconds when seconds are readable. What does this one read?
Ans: 12,25
